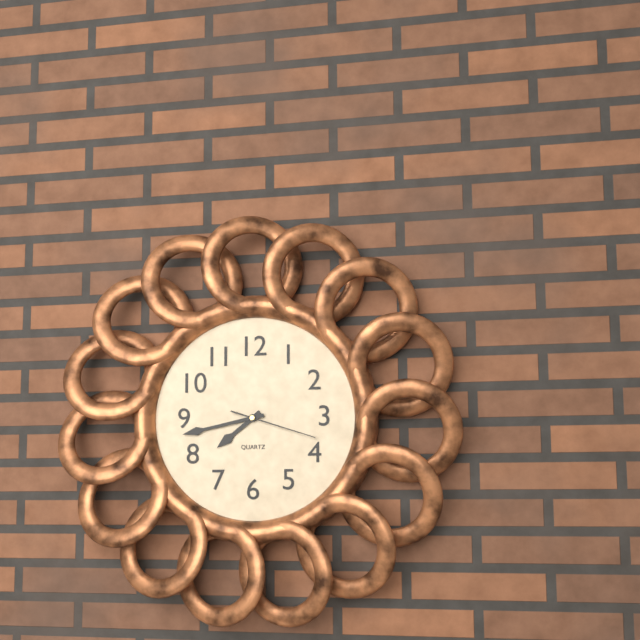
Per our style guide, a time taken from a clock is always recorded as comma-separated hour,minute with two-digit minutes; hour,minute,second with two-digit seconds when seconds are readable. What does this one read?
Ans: 7,43,18
